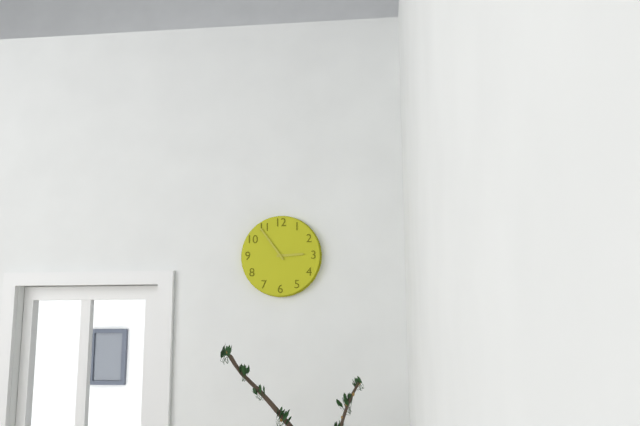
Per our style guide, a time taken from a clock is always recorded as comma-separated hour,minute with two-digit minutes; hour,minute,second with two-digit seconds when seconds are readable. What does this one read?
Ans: 2,54
